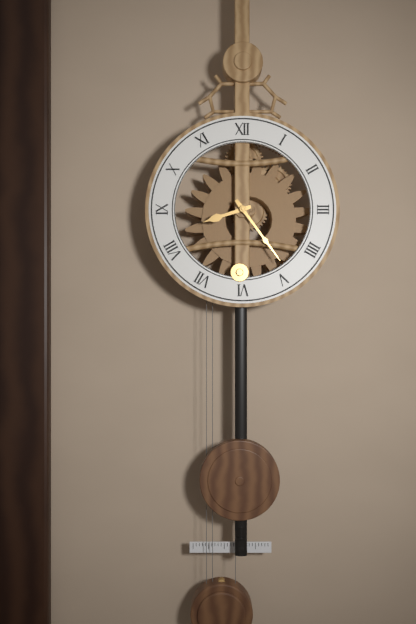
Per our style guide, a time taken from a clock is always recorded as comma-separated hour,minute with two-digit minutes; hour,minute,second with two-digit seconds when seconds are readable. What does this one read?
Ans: 8,24
